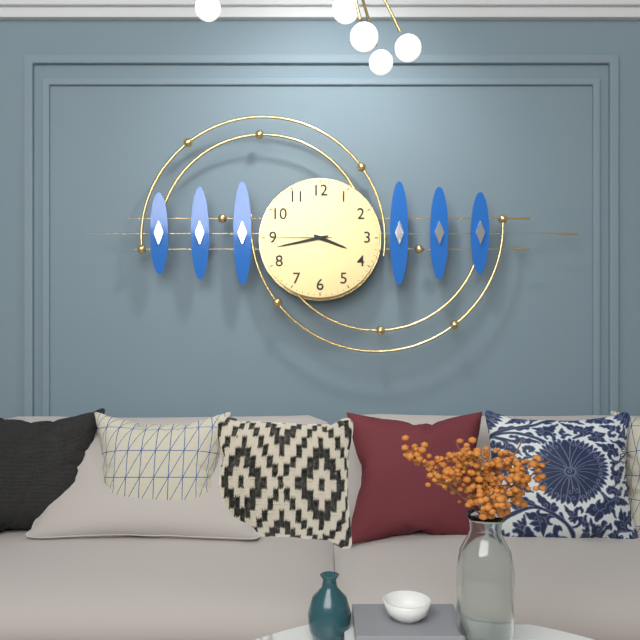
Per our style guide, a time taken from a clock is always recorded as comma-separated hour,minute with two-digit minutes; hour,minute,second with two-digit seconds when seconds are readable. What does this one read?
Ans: 3,43,45
